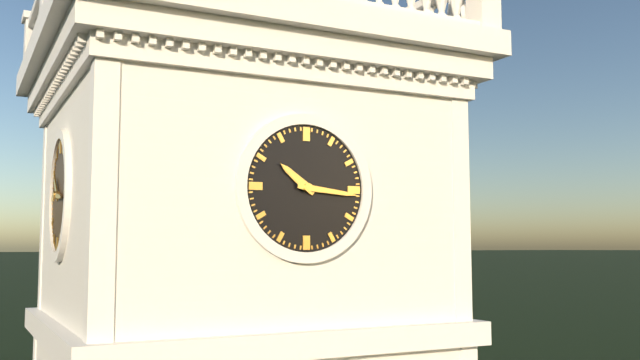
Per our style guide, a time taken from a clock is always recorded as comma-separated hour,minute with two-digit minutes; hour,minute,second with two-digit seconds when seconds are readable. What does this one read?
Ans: 10,16
